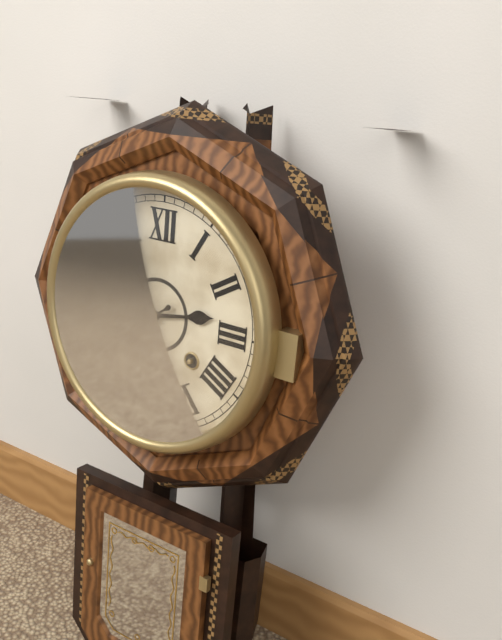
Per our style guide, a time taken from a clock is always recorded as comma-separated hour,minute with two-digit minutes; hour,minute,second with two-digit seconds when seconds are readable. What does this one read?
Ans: 2,39
